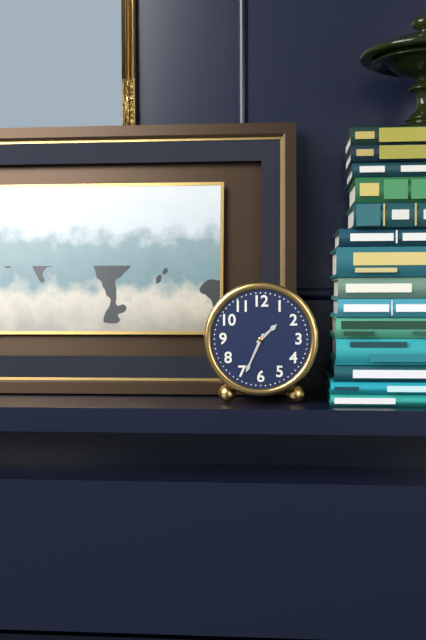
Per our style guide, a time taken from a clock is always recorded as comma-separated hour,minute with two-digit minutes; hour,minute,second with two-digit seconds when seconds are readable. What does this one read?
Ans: 1,34
